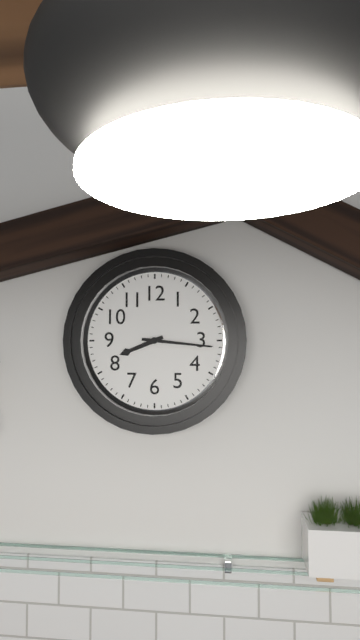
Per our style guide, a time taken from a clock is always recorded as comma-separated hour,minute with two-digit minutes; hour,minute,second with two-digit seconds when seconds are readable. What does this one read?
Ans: 8,16
